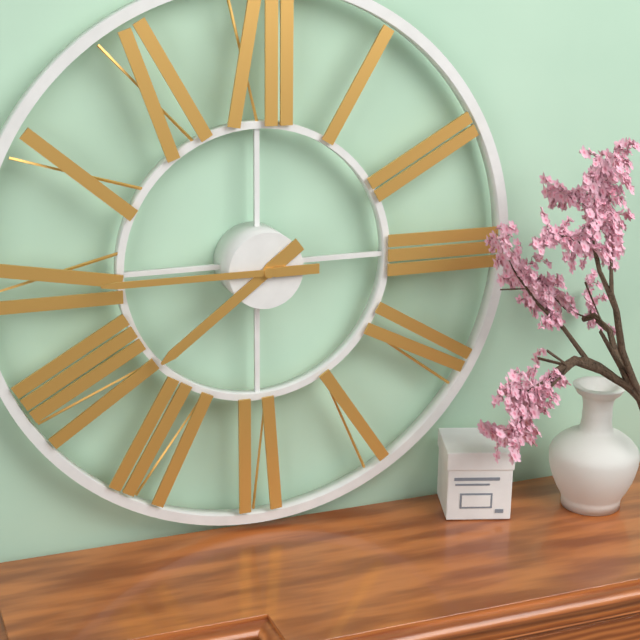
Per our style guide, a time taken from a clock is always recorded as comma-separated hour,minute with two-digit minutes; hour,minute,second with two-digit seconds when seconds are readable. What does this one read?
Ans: 7,45
